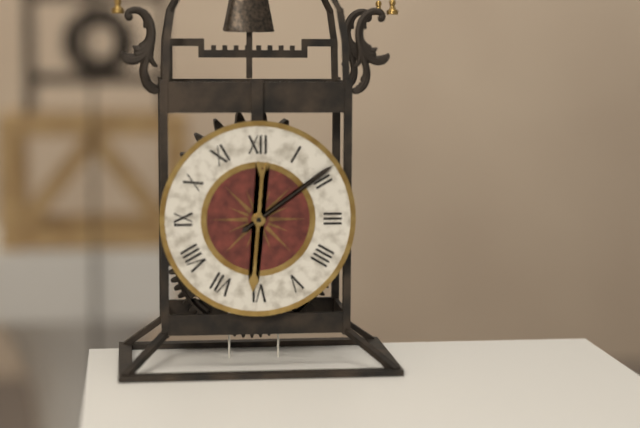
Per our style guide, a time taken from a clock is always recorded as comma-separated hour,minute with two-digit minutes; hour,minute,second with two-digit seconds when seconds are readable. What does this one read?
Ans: 6,09
